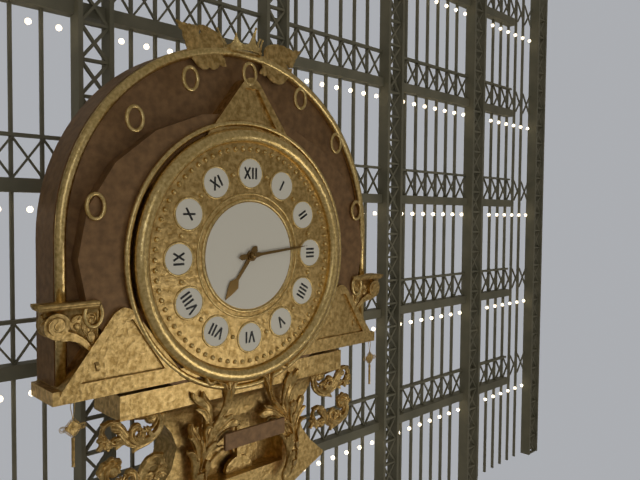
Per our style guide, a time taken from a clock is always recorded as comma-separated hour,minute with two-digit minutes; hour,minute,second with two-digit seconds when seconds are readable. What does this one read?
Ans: 7,14
